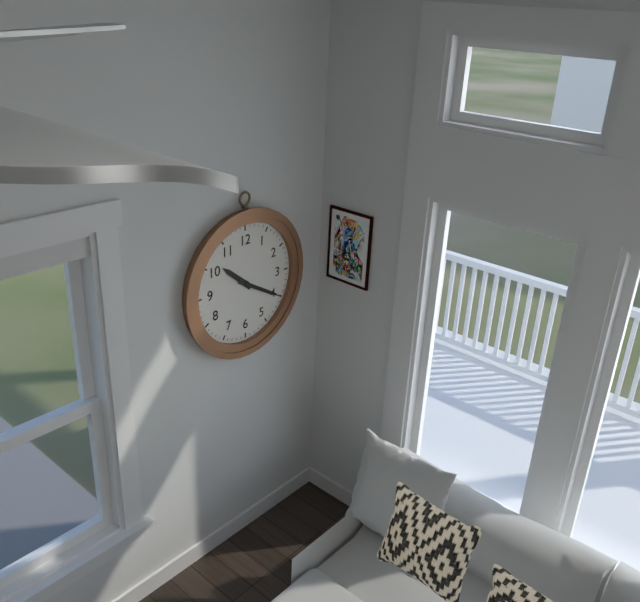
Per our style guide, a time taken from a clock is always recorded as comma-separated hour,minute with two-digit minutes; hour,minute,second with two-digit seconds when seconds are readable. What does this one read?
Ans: 10,20
